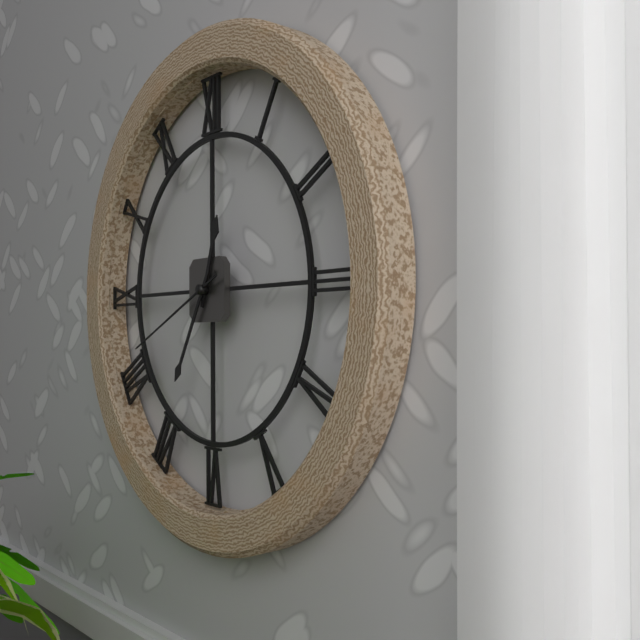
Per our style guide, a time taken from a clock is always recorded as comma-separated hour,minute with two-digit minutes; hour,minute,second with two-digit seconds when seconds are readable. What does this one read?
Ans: 12,35,41
